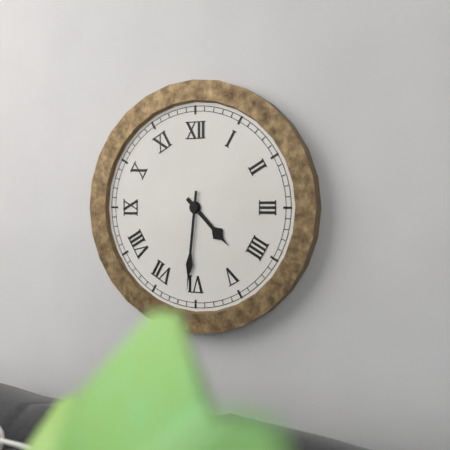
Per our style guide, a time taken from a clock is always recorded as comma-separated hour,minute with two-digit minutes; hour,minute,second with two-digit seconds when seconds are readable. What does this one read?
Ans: 4,31
